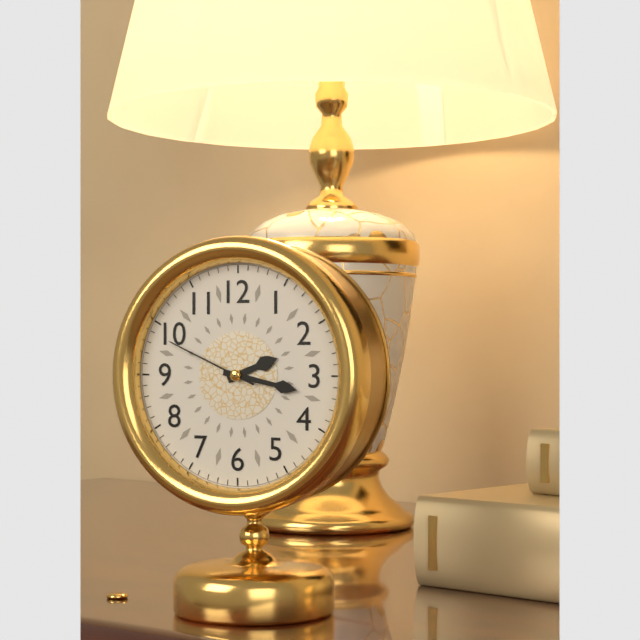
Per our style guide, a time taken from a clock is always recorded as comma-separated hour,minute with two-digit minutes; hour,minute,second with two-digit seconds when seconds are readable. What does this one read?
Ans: 2,17,49
